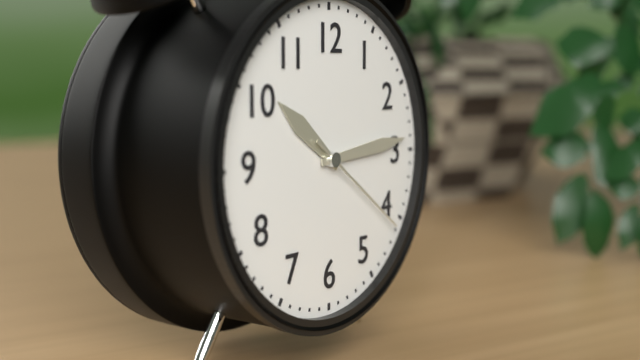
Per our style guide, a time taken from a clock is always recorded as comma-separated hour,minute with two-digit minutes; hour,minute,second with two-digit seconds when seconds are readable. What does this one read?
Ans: 10,14,21
